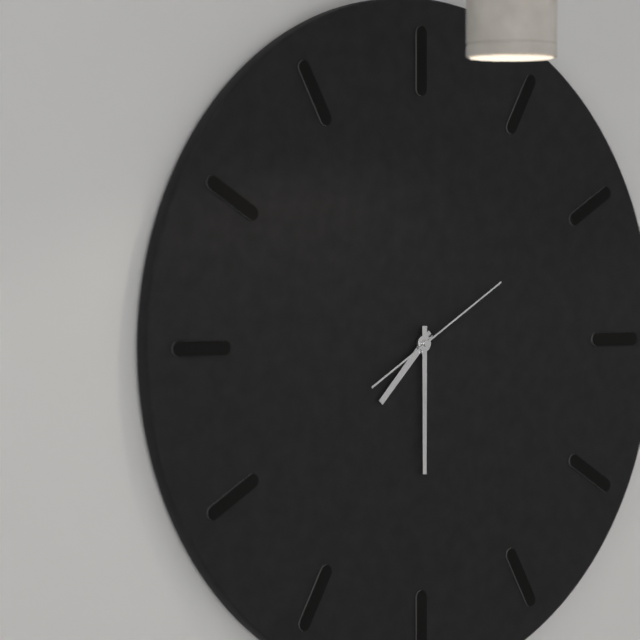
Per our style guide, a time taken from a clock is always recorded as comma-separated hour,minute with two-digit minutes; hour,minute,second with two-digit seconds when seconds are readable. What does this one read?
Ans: 7,30,10
